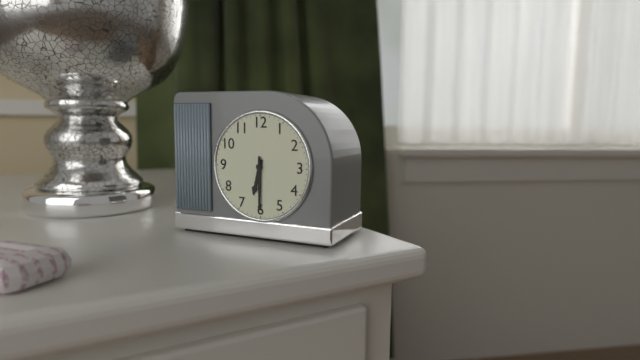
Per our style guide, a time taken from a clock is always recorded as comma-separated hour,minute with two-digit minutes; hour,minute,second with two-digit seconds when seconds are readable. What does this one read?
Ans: 6,30
